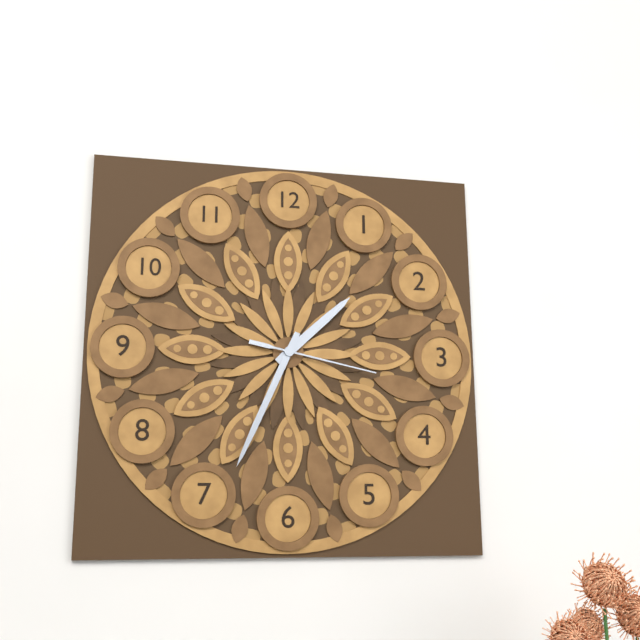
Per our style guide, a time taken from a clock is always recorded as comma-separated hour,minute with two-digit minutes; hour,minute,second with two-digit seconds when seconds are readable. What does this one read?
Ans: 1,34,17
